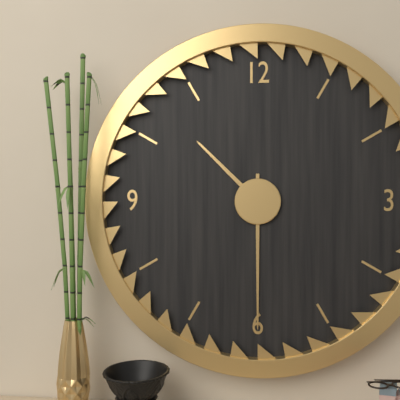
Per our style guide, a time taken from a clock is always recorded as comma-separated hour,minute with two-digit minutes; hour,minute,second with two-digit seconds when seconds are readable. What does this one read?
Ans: 10,30
